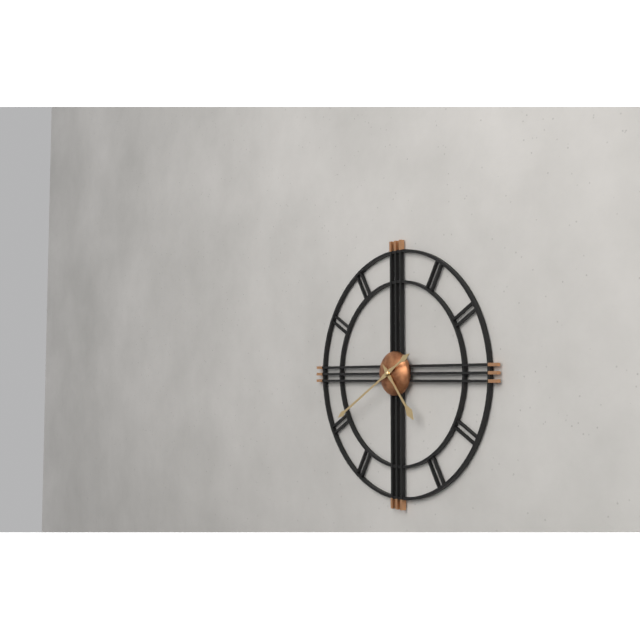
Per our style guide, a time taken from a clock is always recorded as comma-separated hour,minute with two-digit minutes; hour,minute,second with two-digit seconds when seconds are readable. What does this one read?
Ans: 4,40
